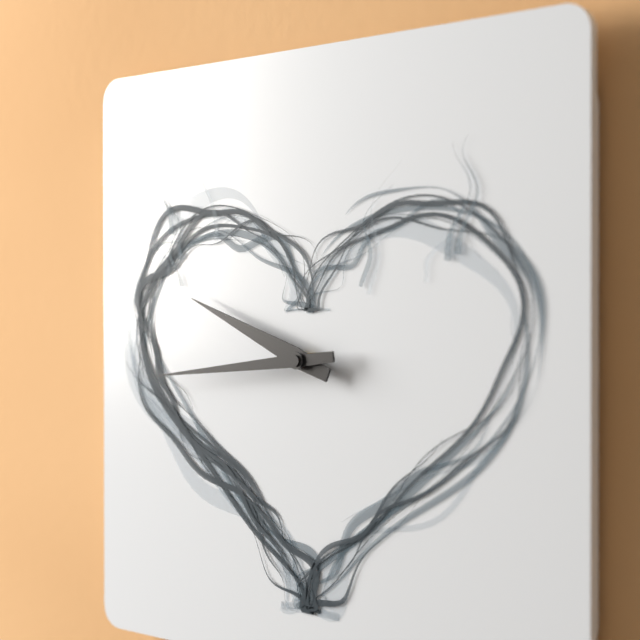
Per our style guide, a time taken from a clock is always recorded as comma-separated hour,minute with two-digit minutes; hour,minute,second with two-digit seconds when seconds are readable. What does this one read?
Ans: 9,44
